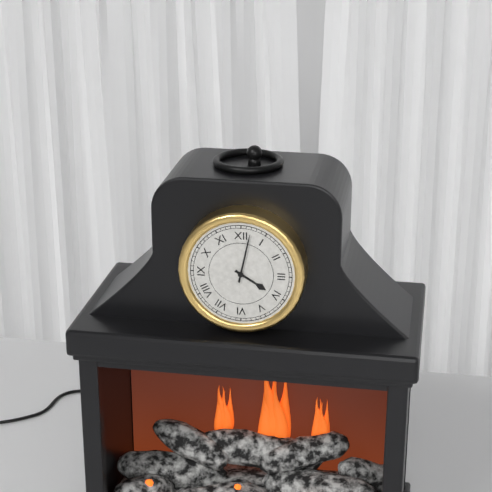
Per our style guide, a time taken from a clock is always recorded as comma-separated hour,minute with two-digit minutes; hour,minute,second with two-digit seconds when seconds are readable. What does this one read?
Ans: 4,02
